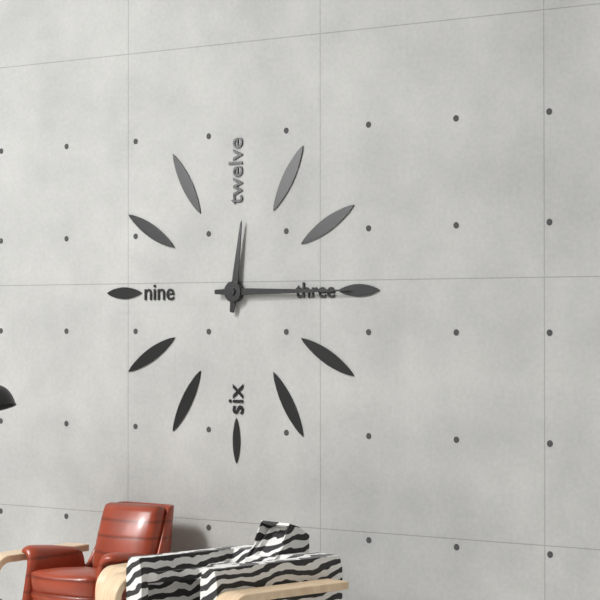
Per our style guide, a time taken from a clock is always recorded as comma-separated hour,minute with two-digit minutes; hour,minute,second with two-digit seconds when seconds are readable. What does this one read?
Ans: 12,15
